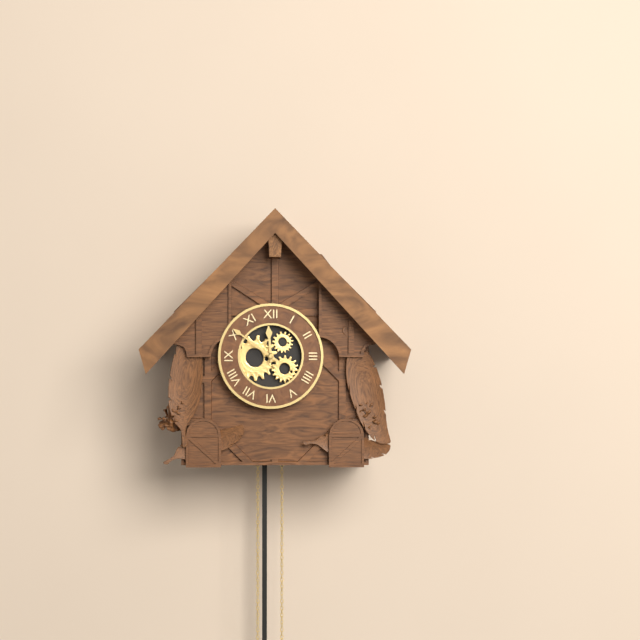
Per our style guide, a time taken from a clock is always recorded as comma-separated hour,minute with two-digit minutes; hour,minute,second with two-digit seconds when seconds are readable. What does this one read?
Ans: 11,51
